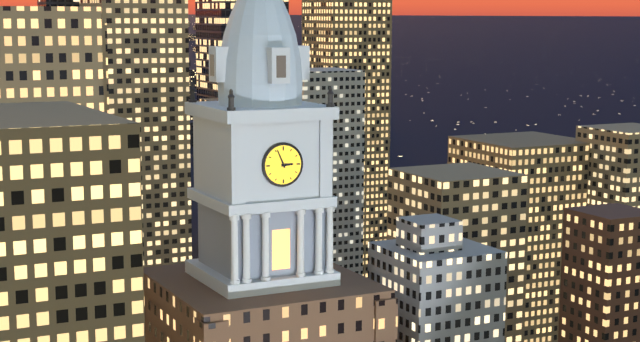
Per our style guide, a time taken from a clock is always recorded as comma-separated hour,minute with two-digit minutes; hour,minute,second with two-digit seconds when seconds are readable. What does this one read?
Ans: 2,56
